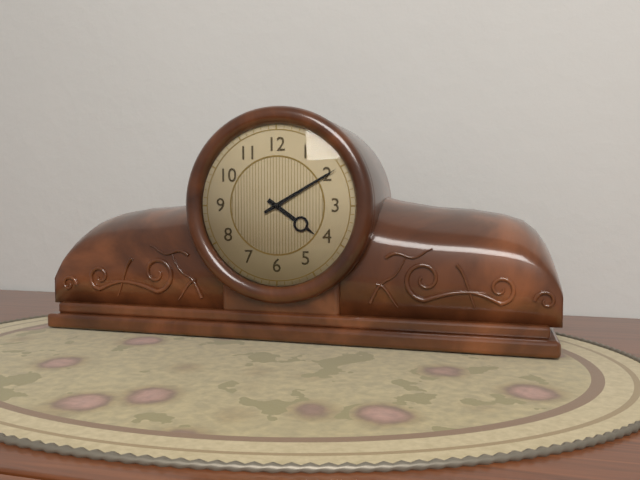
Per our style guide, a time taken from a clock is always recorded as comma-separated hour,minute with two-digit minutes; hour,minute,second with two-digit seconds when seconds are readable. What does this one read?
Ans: 4,10
